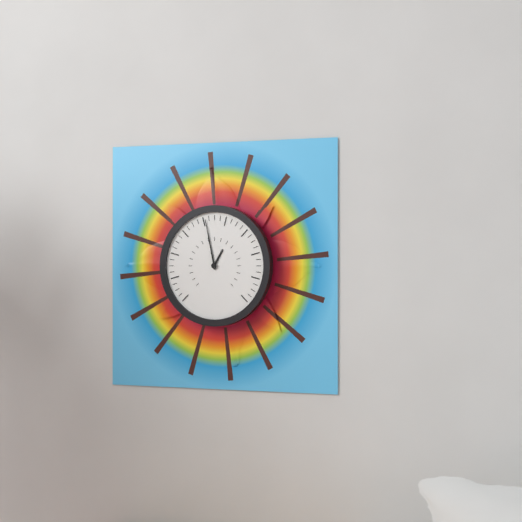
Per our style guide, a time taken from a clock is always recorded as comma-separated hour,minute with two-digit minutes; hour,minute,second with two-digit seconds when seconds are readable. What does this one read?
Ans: 12,58
